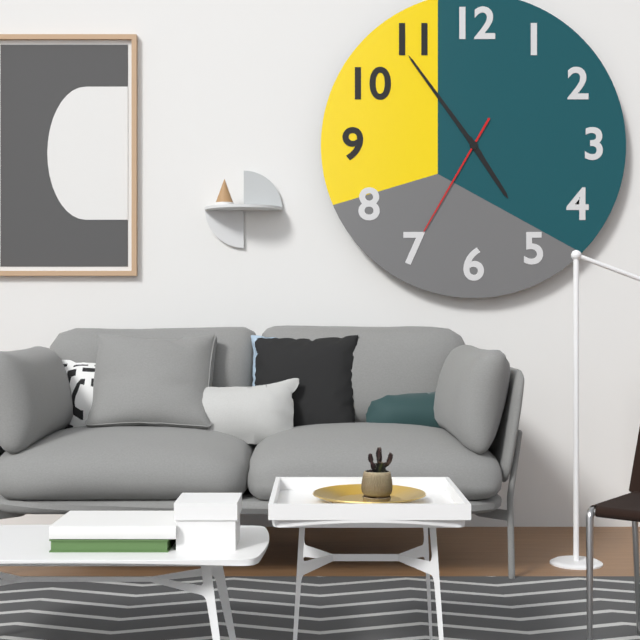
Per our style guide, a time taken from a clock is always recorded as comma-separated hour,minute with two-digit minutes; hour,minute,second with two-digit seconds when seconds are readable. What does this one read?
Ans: 4,54,35
